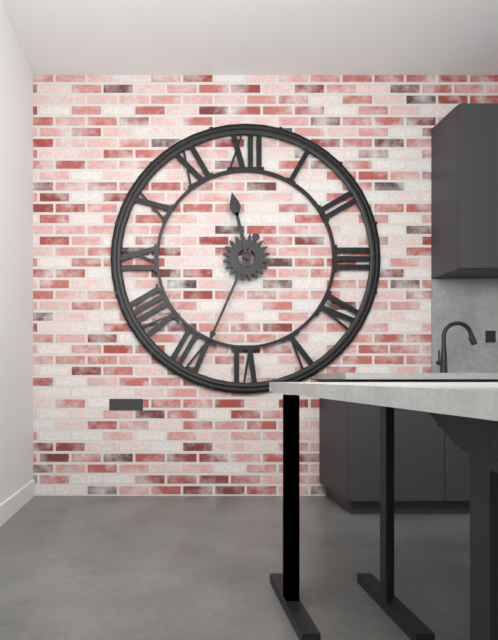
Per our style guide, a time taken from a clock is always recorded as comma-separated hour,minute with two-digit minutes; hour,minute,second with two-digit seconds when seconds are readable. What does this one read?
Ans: 11,34
